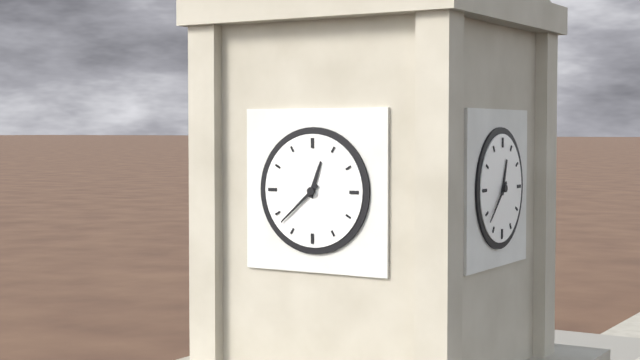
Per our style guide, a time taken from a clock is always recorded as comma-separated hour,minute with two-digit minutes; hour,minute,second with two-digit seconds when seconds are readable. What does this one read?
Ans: 12,38
